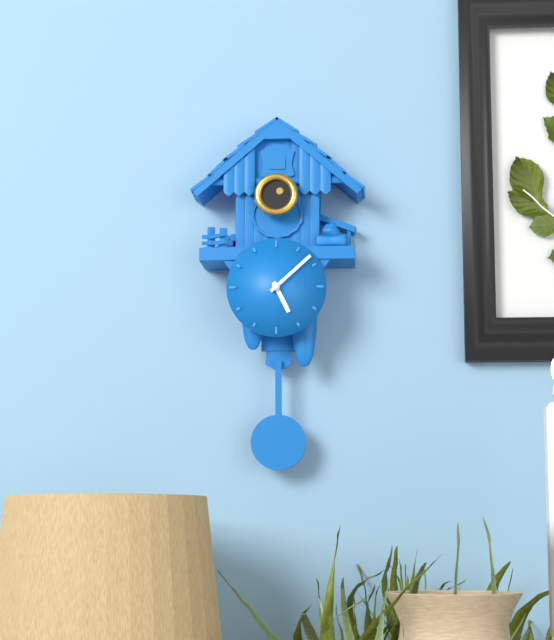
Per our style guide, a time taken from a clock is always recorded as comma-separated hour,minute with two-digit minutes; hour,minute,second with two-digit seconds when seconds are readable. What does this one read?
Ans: 5,08
